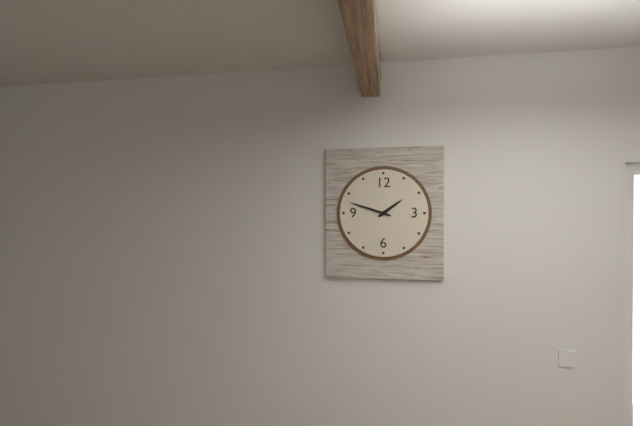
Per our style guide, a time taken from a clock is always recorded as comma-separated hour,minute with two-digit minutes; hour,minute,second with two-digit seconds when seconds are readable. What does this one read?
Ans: 1,48
